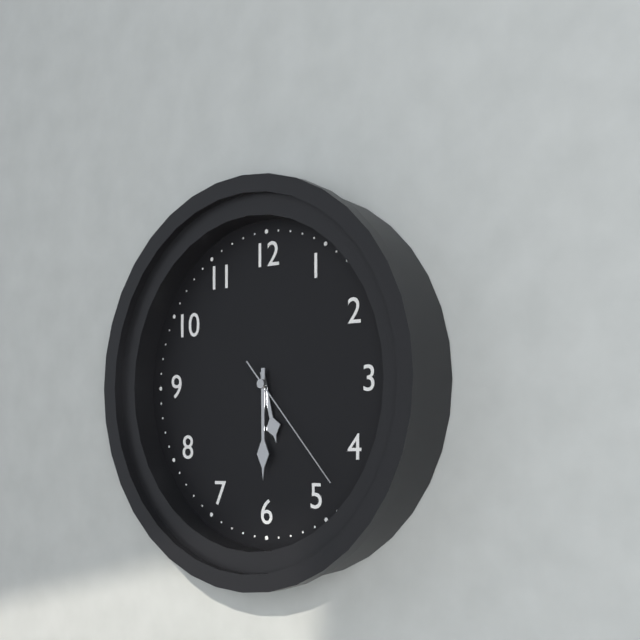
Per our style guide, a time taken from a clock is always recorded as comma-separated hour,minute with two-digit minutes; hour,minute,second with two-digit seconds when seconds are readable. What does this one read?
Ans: 5,30,23
